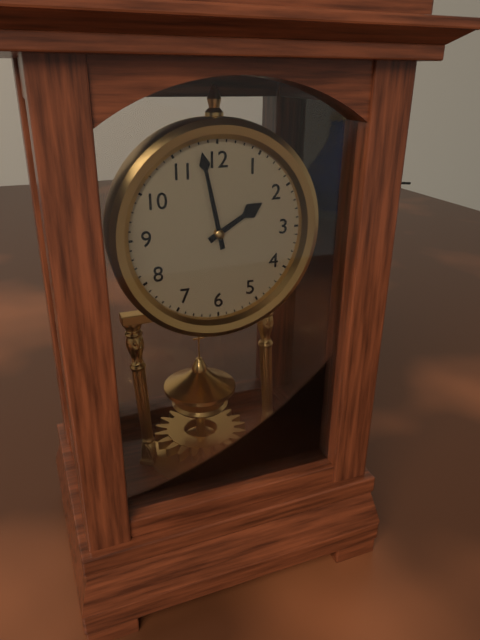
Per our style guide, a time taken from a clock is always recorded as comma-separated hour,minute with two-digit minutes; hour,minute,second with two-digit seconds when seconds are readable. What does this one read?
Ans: 1,58
